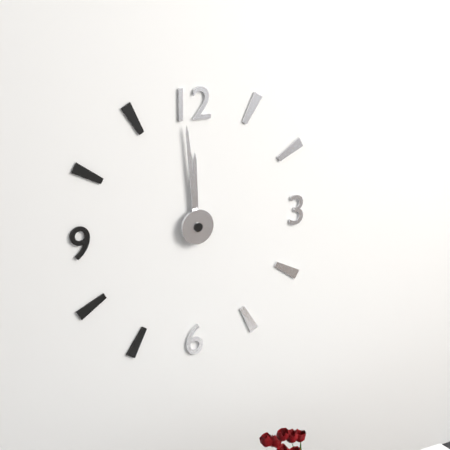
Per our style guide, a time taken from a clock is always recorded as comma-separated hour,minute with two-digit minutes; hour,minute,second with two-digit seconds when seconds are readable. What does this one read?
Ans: 11,59
